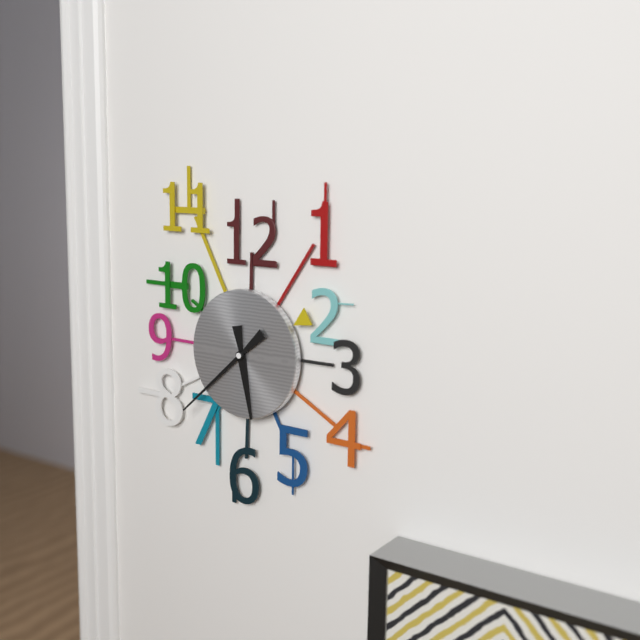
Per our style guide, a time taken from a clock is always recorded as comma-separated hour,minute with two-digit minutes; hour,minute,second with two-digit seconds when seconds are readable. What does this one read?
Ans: 5,38
